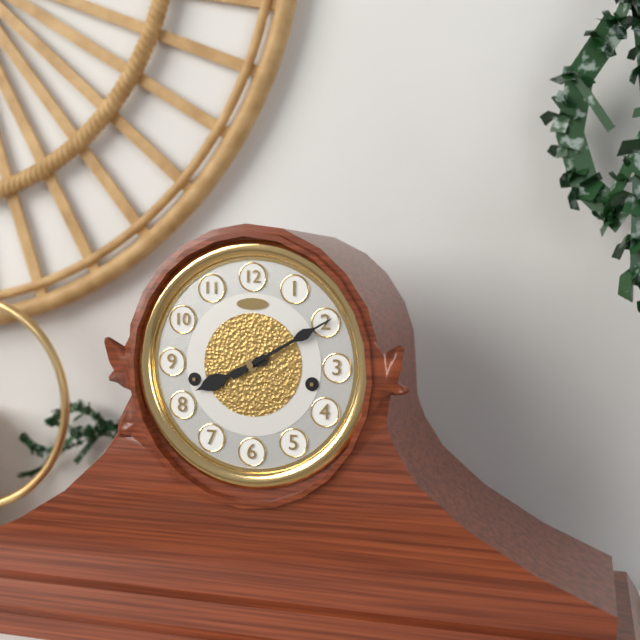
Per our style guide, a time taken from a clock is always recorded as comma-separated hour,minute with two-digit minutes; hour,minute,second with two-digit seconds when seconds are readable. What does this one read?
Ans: 8,10
